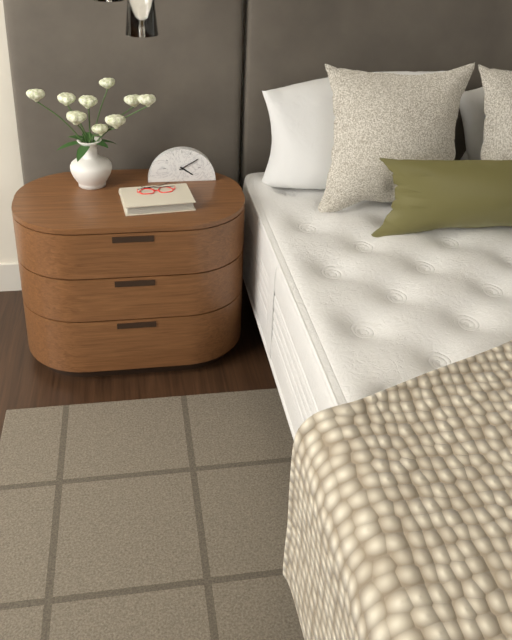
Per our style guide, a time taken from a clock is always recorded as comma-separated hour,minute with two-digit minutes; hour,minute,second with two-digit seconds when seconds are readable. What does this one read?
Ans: 4,10
